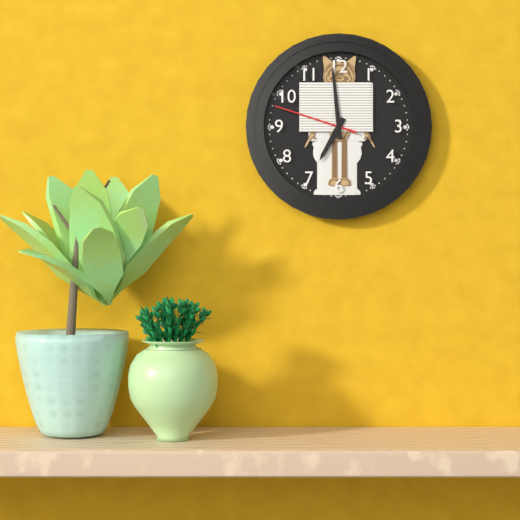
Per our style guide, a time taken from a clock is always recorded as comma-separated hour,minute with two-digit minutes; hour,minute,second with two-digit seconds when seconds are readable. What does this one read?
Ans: 6,59,48
